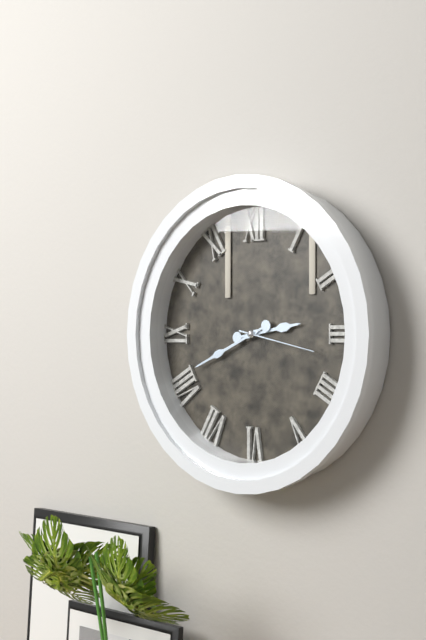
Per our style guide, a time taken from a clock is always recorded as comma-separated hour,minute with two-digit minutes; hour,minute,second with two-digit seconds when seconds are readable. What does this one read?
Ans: 2,41,17
